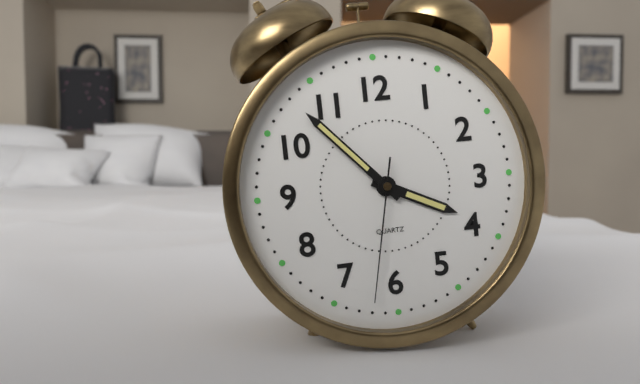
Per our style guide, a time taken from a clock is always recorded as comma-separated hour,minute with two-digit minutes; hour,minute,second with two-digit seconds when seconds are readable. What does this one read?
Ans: 3,53,32
